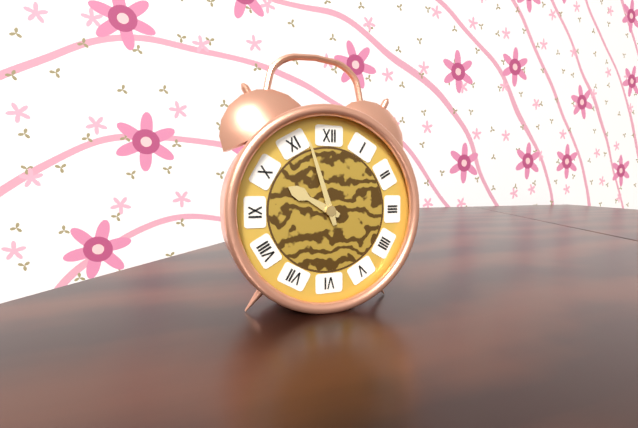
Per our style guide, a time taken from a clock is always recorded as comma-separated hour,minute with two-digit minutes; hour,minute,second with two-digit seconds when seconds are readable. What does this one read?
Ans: 9,57
